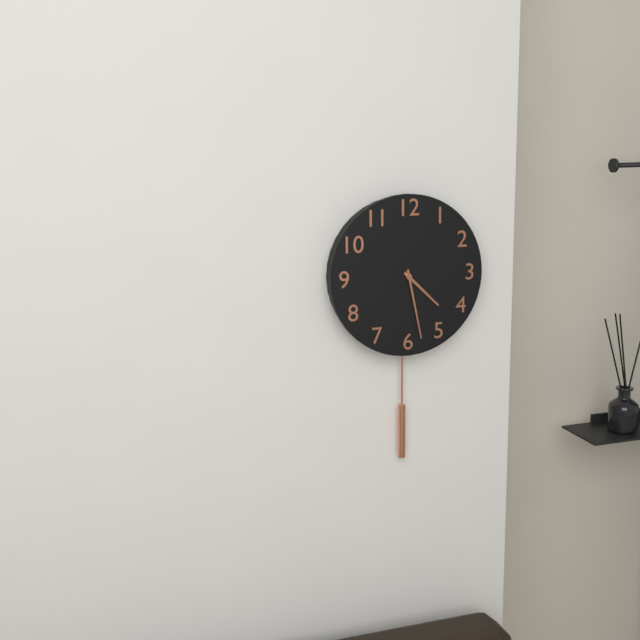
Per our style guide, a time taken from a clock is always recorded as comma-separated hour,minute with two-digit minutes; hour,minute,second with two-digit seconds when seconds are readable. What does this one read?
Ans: 4,28
